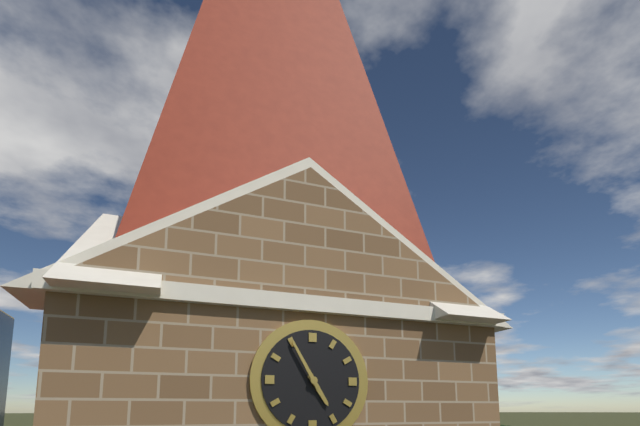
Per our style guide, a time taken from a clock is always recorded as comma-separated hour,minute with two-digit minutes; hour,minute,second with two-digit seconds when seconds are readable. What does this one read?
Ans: 4,55
